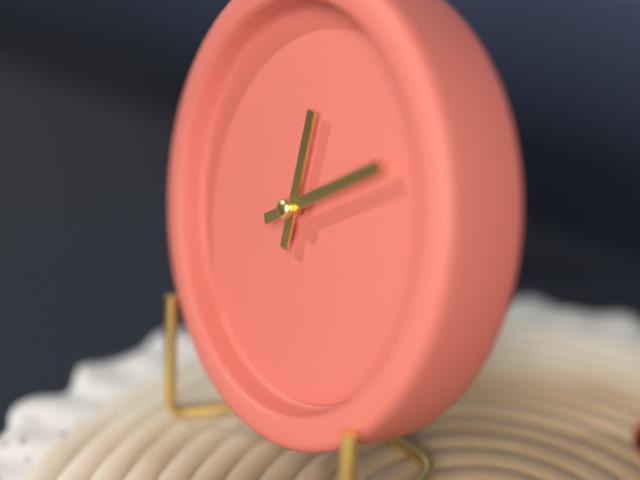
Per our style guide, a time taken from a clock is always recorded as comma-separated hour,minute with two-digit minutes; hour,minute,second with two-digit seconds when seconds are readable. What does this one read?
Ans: 12,10
